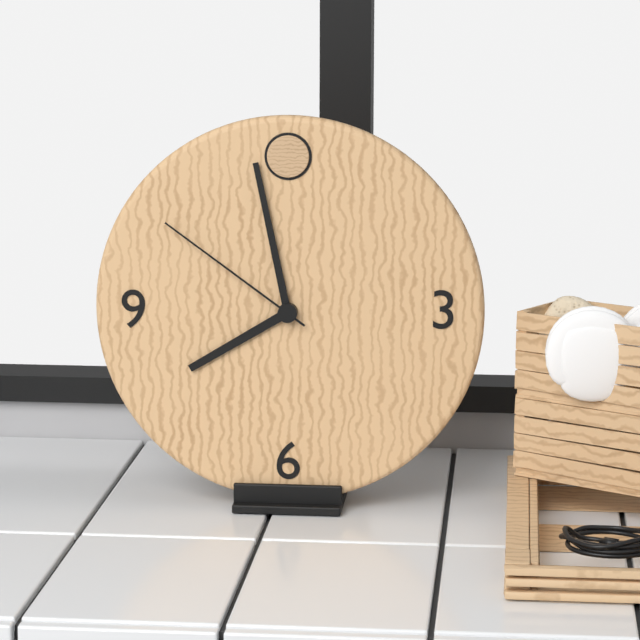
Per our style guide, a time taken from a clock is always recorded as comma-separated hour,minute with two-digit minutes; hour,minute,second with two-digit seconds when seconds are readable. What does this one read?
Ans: 7,58,51
